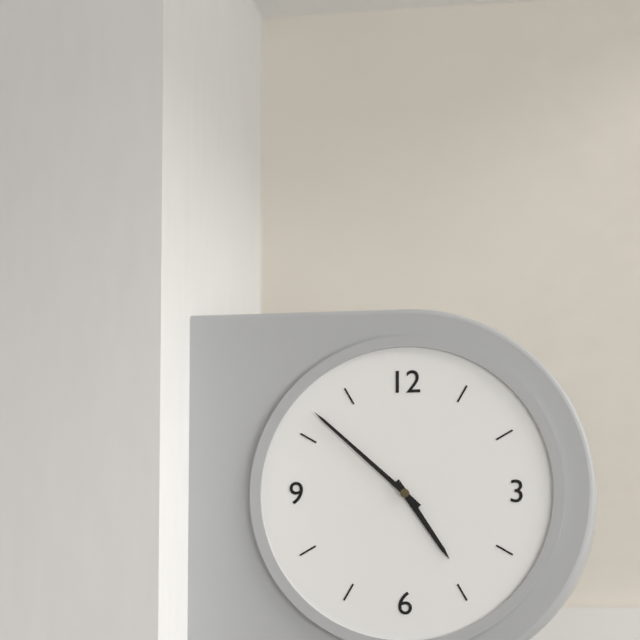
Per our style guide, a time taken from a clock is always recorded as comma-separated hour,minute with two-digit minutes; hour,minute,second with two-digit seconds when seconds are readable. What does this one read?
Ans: 4,52
